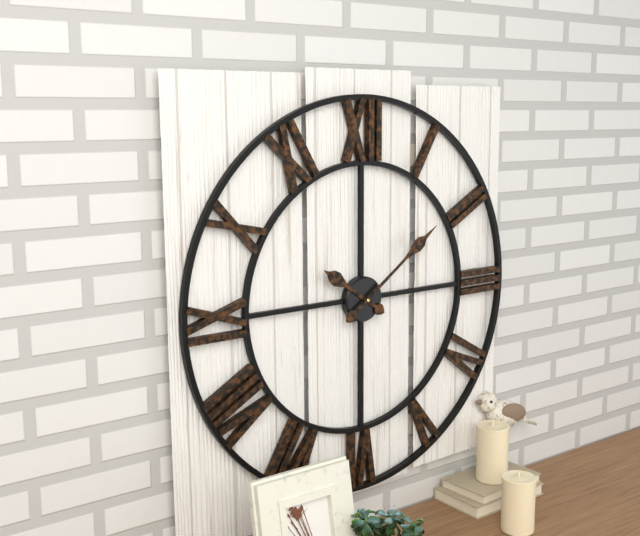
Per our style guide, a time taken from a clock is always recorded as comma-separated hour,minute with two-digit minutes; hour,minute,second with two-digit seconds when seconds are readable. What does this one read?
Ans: 10,09
